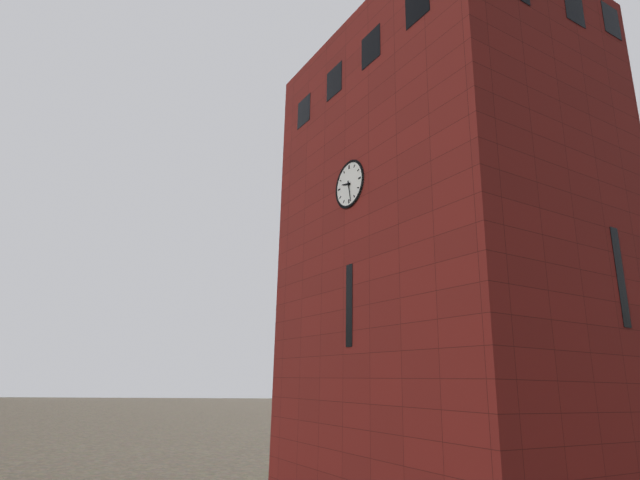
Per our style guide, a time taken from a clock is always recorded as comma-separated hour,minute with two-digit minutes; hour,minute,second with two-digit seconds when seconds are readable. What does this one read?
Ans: 9,28
